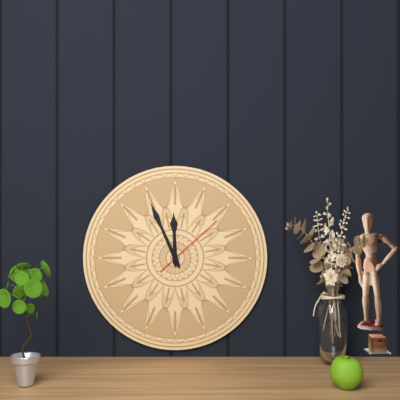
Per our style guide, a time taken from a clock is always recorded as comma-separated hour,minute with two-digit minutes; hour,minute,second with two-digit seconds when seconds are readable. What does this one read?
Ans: 11,56,08
